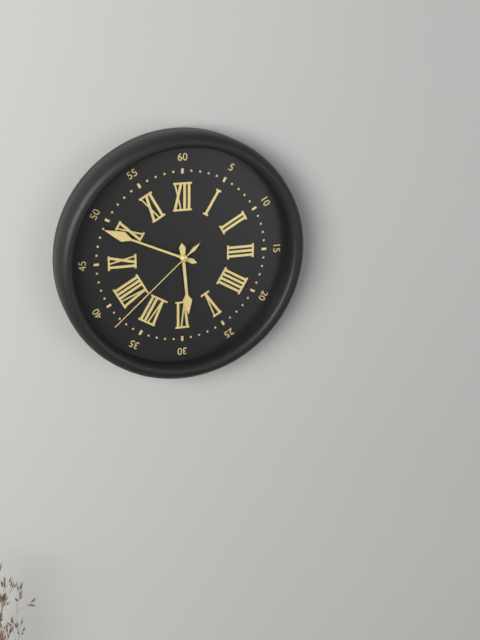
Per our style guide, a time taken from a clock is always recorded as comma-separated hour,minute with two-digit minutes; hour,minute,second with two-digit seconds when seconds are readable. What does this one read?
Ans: 5,49,38
